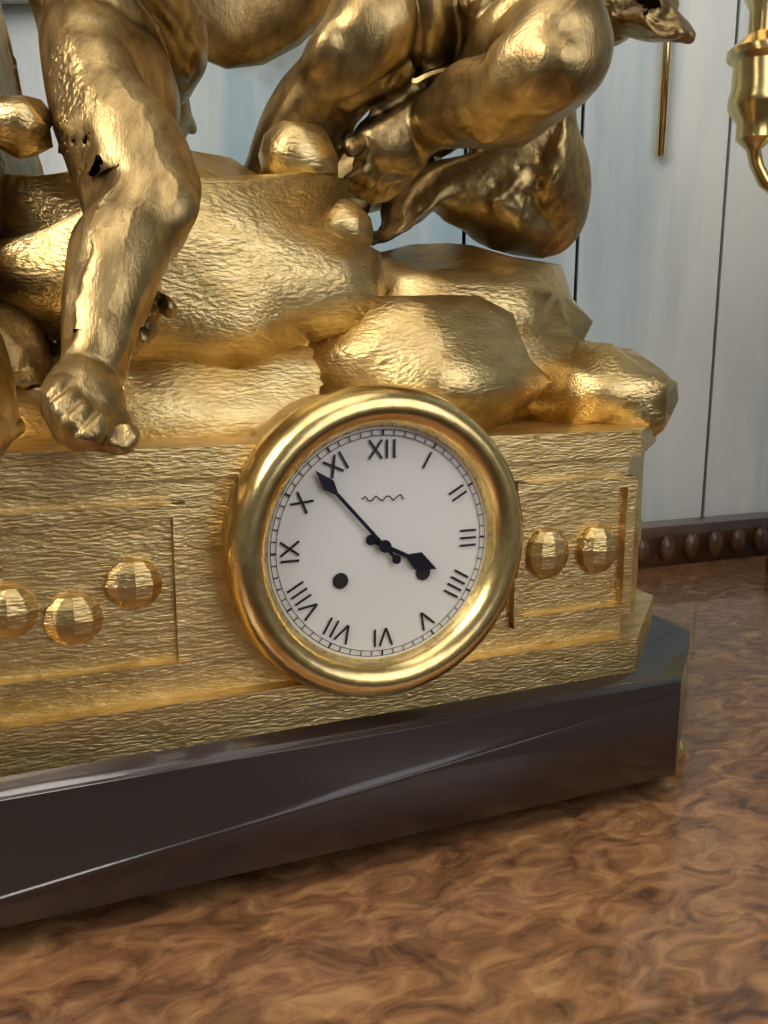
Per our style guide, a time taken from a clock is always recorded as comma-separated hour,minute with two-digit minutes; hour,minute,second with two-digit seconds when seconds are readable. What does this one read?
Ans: 3,53
